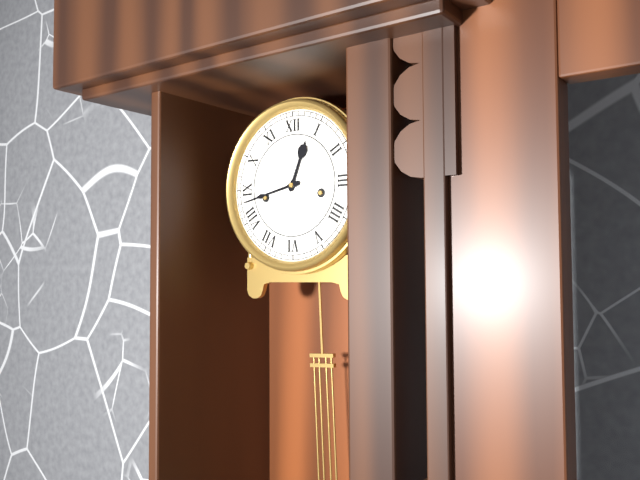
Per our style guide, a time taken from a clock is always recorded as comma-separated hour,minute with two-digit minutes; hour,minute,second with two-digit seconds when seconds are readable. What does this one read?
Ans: 12,43
